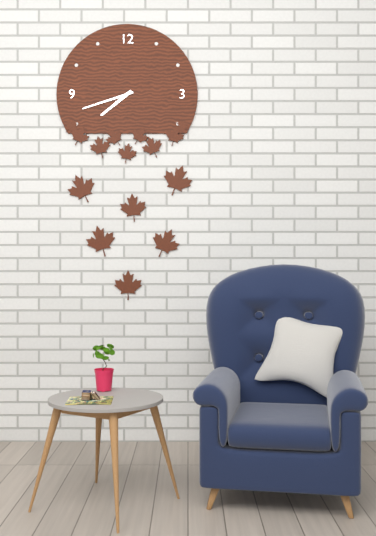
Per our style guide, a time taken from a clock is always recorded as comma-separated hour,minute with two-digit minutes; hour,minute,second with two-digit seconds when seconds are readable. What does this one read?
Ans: 7,42
